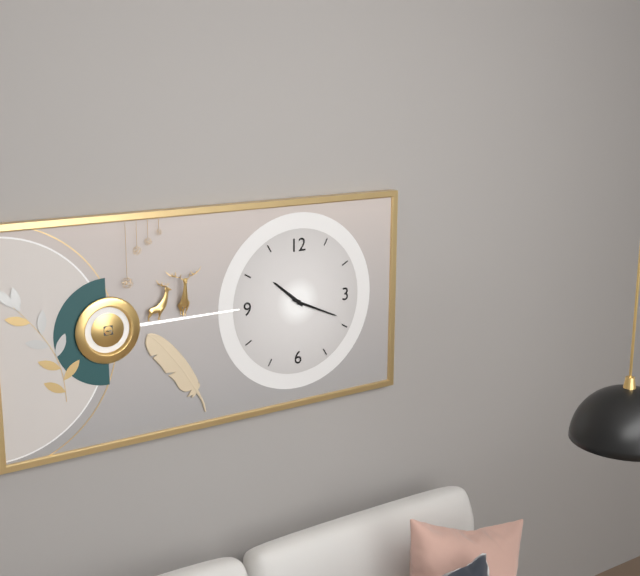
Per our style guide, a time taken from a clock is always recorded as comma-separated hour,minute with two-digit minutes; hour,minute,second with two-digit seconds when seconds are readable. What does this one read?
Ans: 10,19
